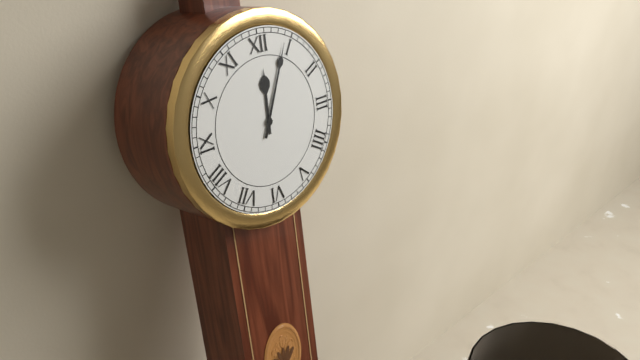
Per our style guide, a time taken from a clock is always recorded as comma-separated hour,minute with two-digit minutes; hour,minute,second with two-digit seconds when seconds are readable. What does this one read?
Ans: 12,04
